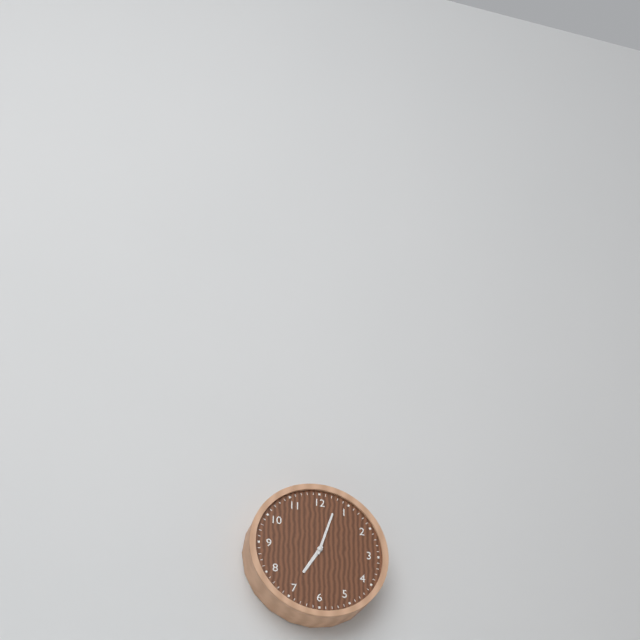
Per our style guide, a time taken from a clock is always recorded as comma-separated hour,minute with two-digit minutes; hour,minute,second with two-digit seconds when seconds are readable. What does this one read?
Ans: 7,03
